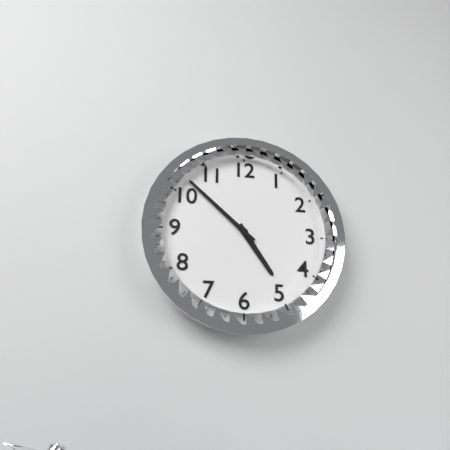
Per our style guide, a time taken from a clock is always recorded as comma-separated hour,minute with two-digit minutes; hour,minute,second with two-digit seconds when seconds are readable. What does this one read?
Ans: 4,52
